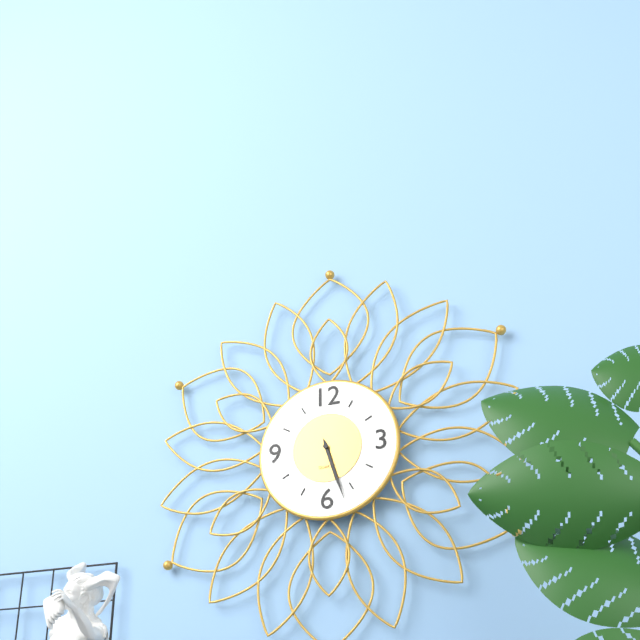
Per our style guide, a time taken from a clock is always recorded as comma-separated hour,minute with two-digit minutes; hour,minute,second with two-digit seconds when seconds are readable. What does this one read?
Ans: 5,27
